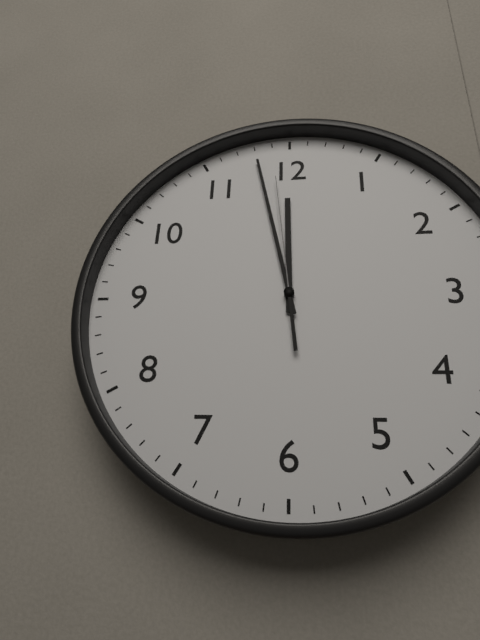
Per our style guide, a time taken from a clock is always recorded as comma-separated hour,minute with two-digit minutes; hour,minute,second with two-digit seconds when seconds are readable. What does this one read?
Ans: 11,58,59
